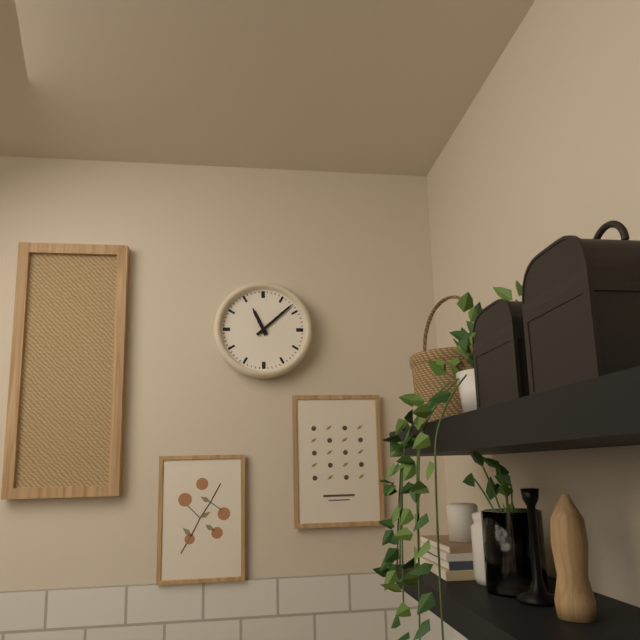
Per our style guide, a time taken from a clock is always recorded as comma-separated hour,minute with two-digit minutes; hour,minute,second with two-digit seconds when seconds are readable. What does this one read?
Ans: 11,08
